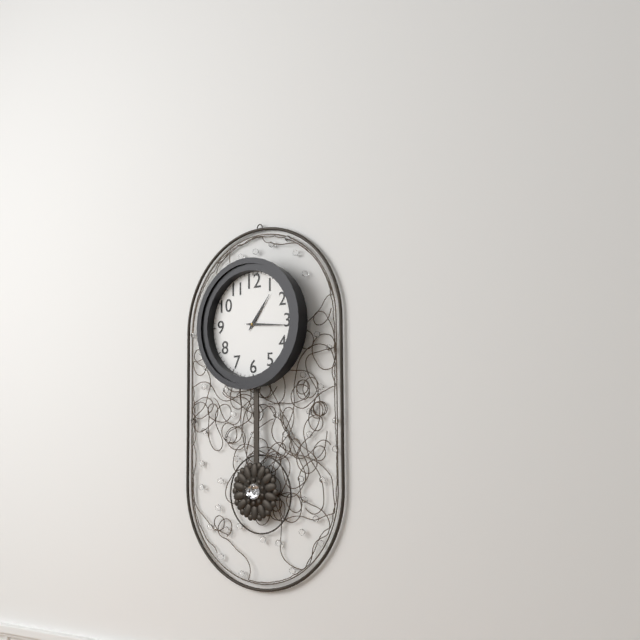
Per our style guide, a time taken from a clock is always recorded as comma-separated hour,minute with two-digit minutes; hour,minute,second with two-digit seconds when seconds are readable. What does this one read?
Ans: 1,16
